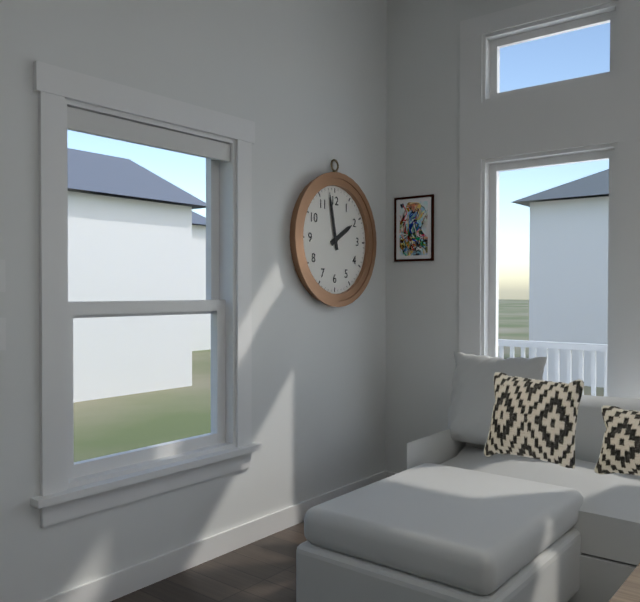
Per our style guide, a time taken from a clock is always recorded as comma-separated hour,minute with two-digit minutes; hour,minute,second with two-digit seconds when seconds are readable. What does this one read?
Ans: 1,58
